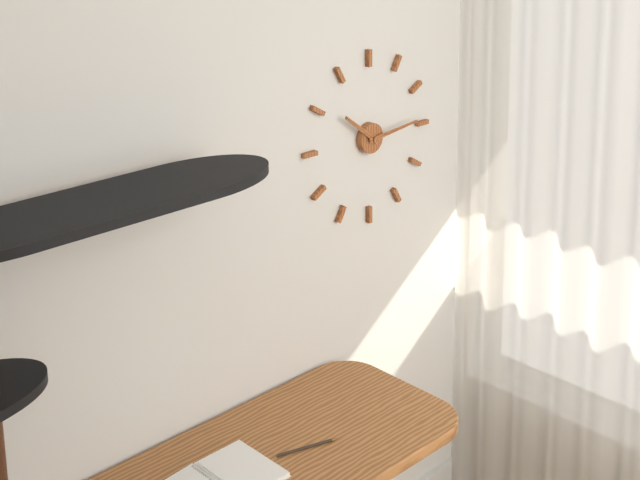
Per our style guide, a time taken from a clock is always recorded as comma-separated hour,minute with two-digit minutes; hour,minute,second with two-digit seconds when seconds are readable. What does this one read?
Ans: 10,14
